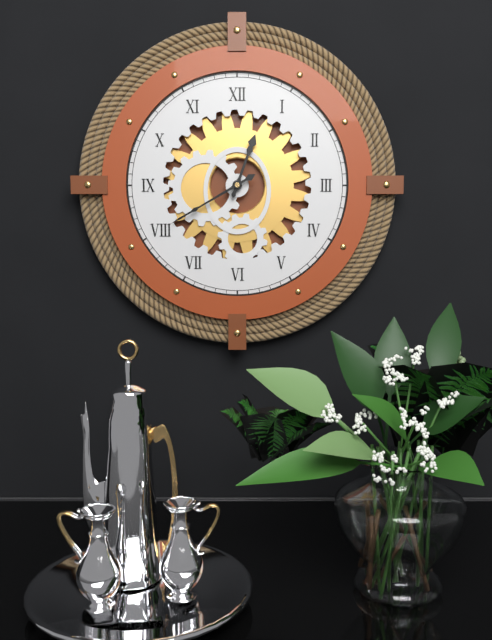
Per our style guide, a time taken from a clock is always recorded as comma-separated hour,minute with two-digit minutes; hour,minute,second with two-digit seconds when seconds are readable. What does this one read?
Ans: 12,40
